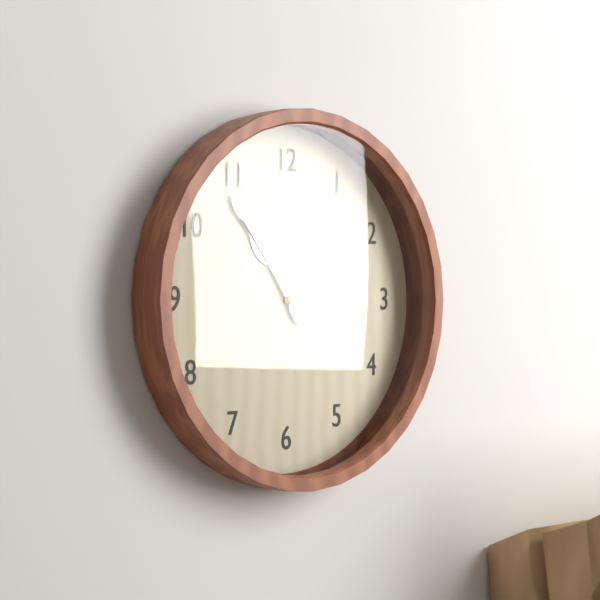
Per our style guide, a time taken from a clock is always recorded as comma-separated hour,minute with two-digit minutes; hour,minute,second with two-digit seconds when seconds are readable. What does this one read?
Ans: 10,54
